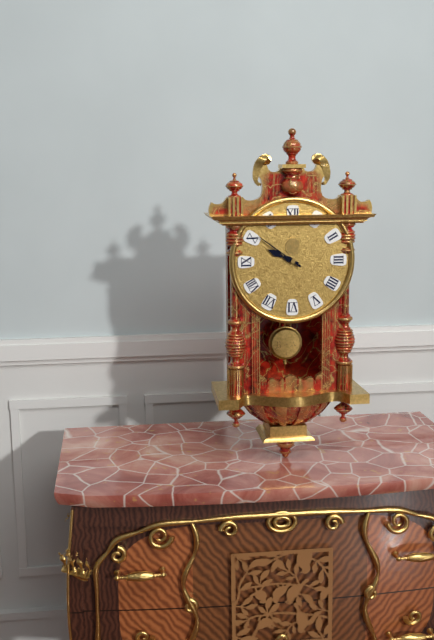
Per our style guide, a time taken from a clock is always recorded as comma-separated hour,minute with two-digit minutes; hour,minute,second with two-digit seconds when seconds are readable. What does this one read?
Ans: 9,51
